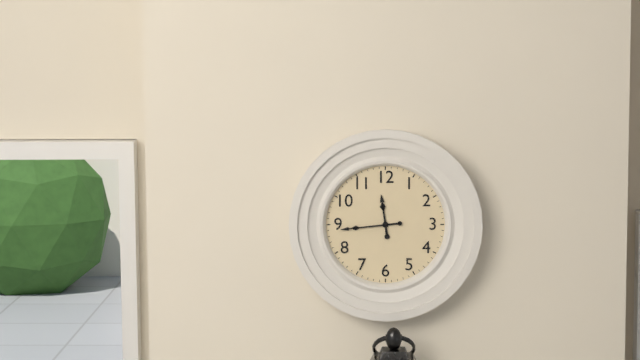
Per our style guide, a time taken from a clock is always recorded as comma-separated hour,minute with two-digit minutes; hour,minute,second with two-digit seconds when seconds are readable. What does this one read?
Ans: 11,44
